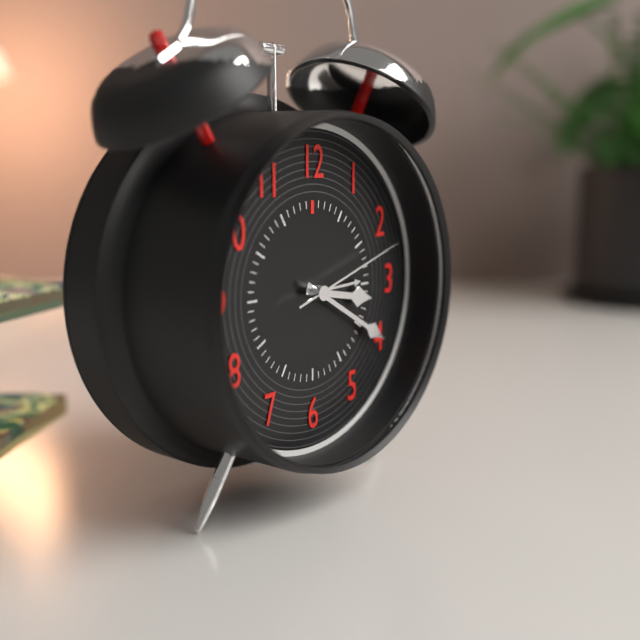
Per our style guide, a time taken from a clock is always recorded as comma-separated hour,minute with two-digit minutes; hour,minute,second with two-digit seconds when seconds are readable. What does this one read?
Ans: 3,20,12
